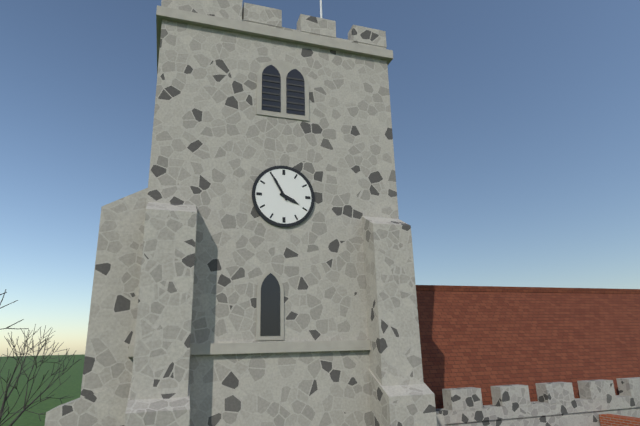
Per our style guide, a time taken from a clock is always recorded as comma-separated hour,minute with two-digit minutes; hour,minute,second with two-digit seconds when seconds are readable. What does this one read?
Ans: 3,55
